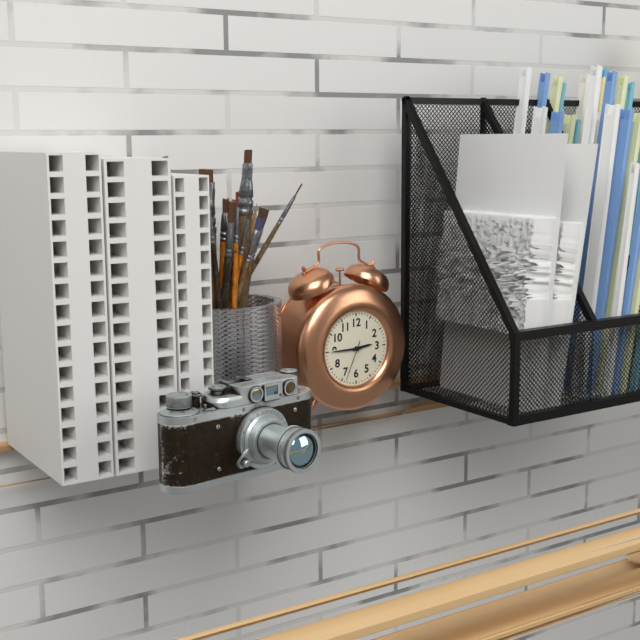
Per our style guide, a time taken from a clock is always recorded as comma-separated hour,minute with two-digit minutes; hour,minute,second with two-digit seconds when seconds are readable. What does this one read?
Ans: 2,45
